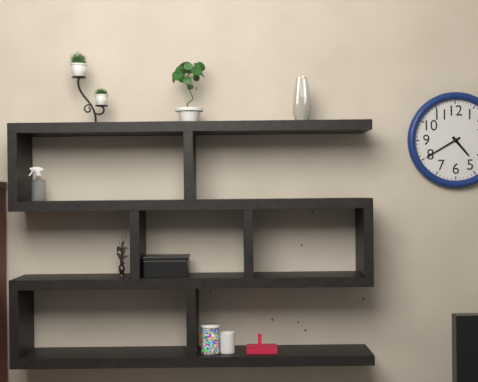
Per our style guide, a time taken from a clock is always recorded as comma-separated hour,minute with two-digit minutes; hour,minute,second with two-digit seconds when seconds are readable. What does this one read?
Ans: 4,40
